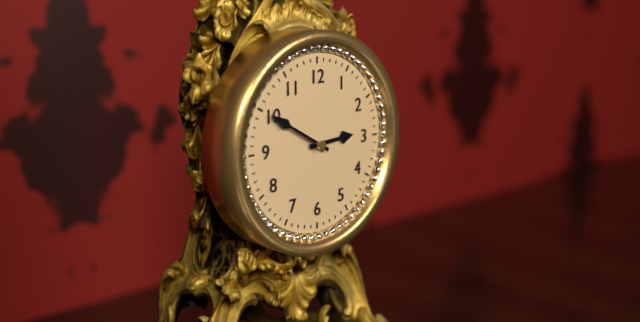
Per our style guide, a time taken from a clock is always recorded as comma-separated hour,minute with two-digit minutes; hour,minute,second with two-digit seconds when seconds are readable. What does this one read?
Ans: 2,50
